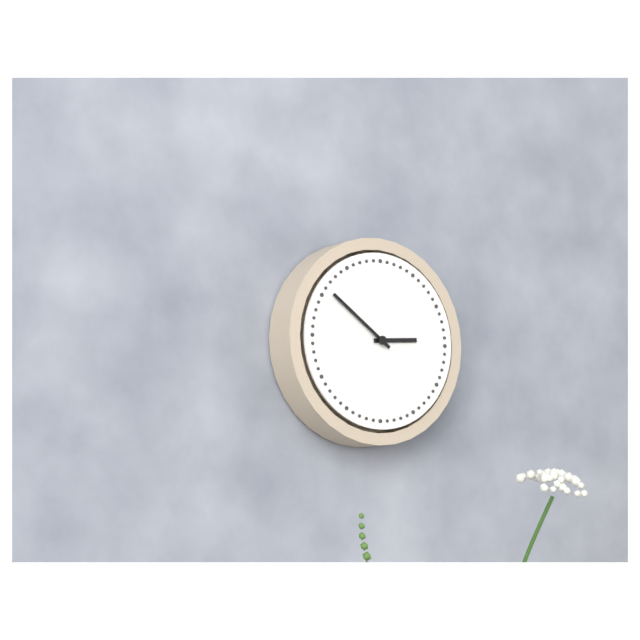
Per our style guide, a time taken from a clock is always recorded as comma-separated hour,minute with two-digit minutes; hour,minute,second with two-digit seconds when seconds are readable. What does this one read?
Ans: 2,51
